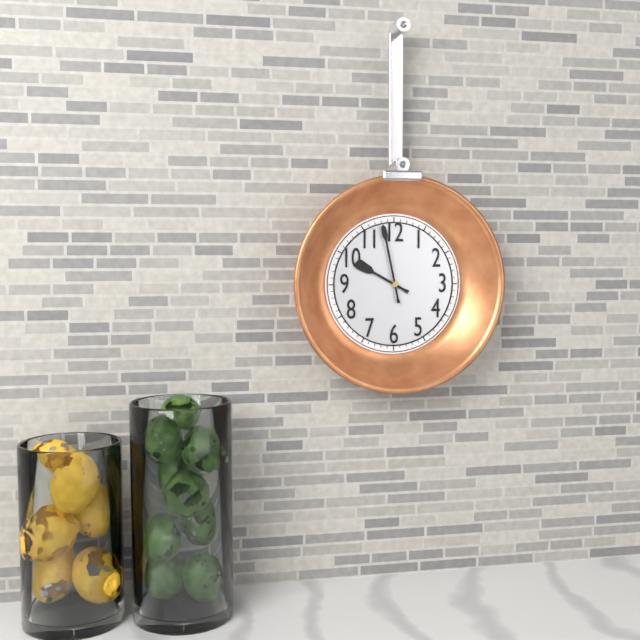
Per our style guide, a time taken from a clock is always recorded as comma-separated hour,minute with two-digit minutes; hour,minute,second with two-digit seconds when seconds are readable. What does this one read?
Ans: 9,58
